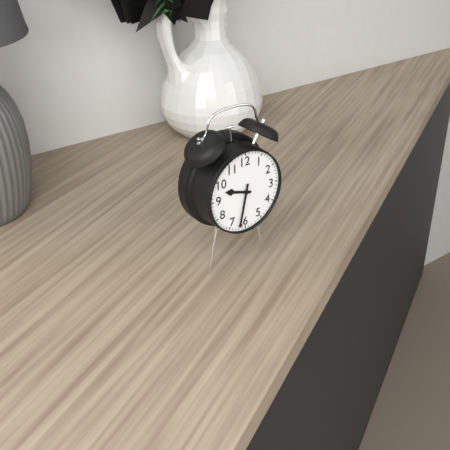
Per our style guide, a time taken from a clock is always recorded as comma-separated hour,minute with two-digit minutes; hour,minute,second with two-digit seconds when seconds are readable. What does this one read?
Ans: 9,32
